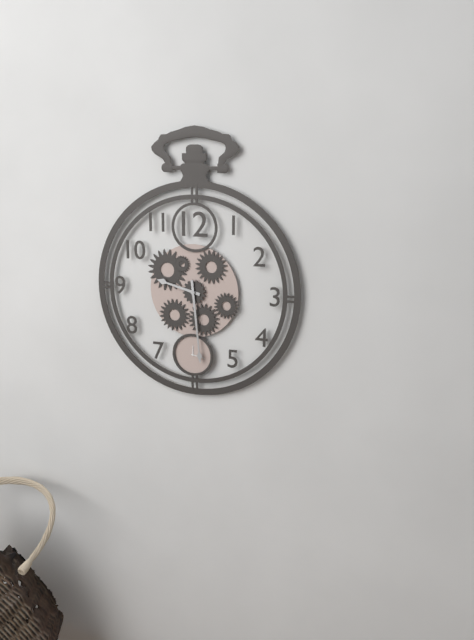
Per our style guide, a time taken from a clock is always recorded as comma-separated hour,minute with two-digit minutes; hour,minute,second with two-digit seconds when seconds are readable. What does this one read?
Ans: 9,29
